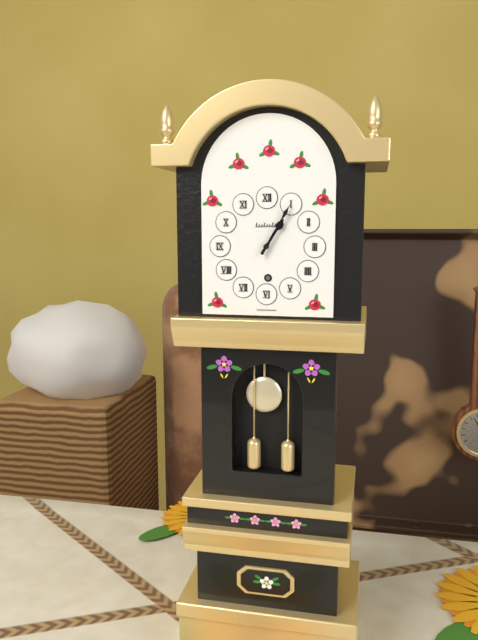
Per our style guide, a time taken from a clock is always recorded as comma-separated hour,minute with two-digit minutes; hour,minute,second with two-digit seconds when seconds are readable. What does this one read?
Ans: 1,05
